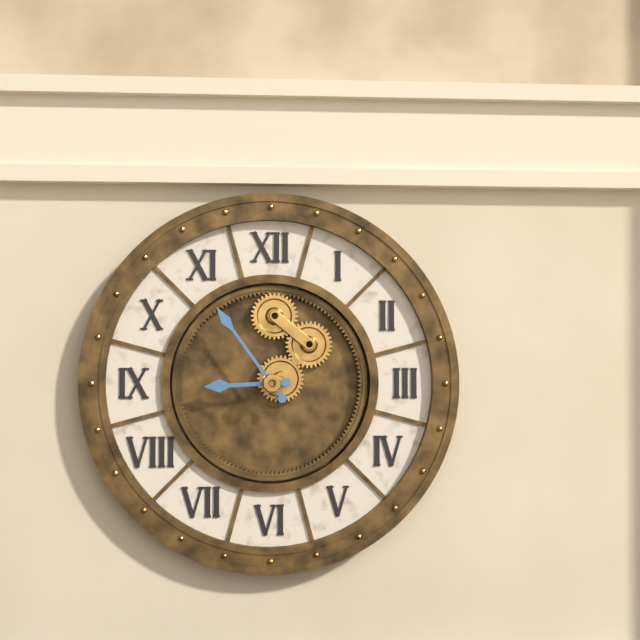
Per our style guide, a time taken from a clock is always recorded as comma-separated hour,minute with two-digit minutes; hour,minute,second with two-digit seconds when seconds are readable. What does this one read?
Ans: 8,54
